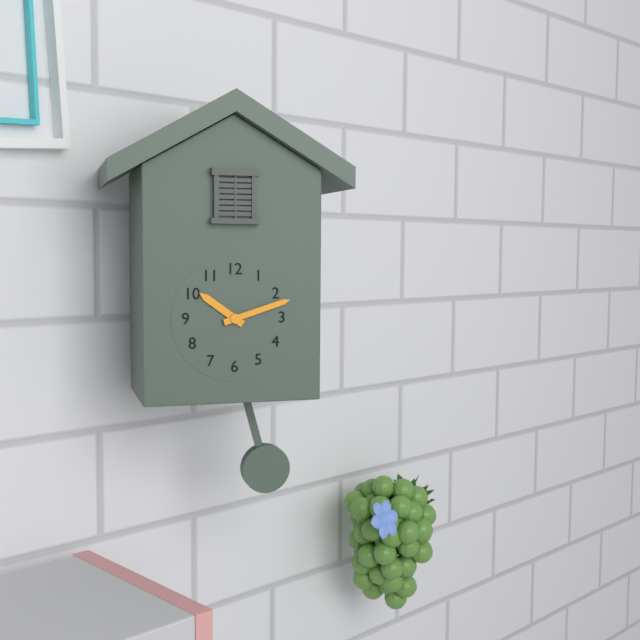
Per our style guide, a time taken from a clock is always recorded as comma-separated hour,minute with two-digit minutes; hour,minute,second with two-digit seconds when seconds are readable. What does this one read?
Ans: 10,12
